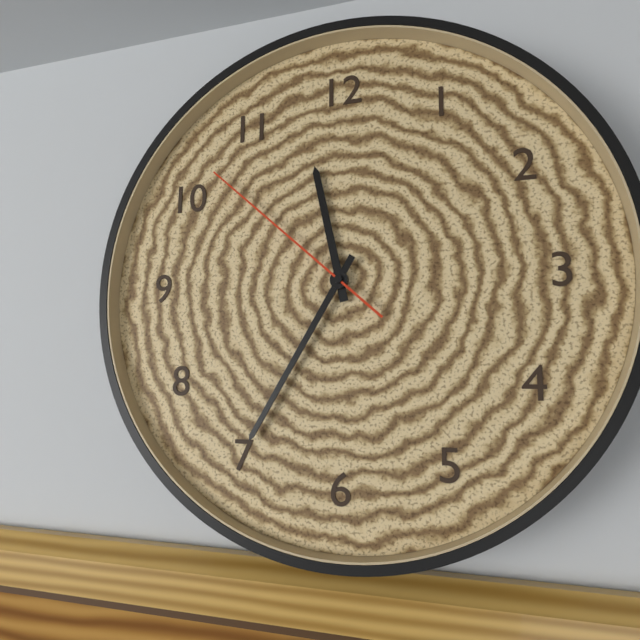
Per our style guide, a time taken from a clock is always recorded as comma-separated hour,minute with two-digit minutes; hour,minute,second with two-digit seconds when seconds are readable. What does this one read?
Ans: 11,35,52
